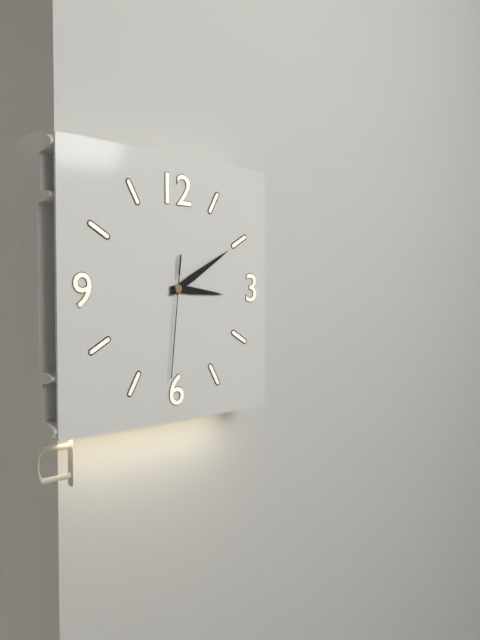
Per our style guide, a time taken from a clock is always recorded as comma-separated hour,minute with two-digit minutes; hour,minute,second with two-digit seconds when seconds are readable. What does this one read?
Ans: 3,10,31
